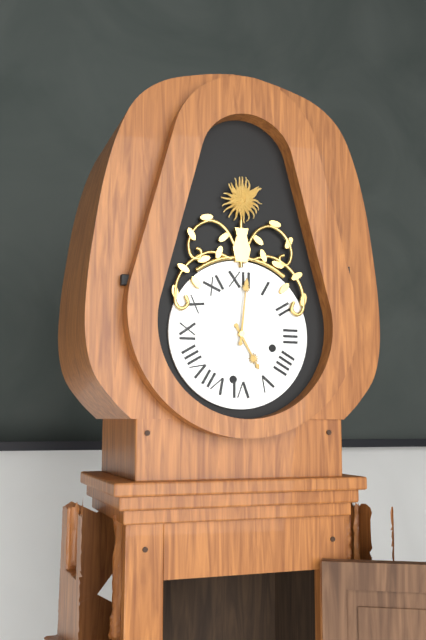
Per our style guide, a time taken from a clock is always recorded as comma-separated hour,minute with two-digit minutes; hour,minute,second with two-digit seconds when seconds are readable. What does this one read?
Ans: 5,01
